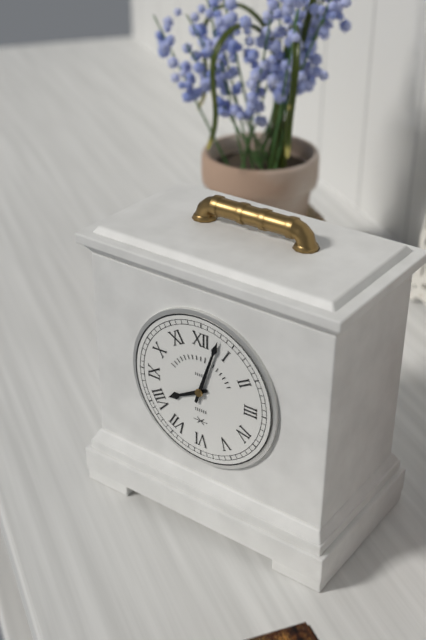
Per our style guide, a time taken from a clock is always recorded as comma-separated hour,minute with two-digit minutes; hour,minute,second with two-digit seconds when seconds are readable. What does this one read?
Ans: 8,03
